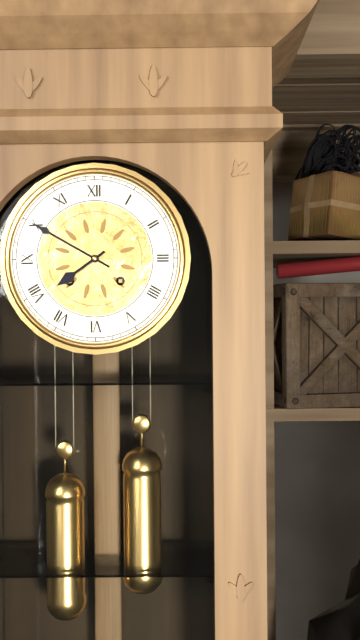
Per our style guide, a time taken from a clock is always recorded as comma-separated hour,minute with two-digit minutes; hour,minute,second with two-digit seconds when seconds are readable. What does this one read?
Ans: 7,50
